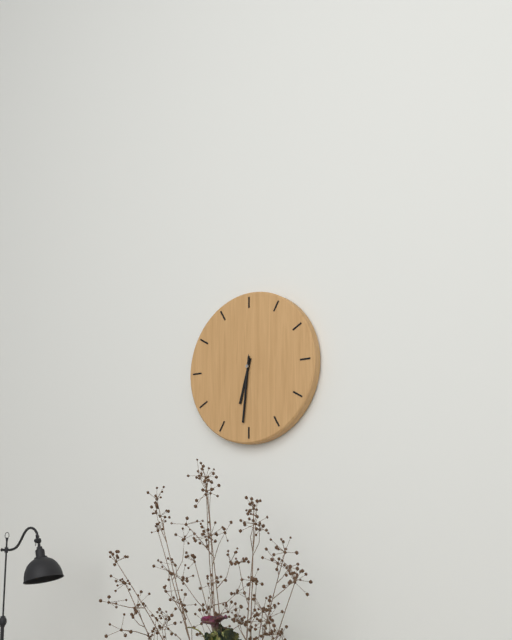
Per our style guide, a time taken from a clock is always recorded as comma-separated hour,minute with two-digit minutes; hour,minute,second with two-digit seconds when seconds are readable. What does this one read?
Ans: 6,31,31
